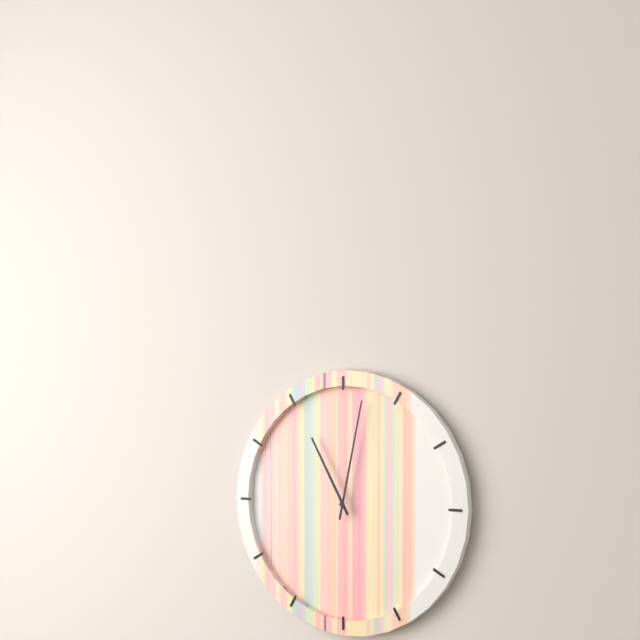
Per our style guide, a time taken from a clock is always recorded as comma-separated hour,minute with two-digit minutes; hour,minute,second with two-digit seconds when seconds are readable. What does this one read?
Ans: 11,02
